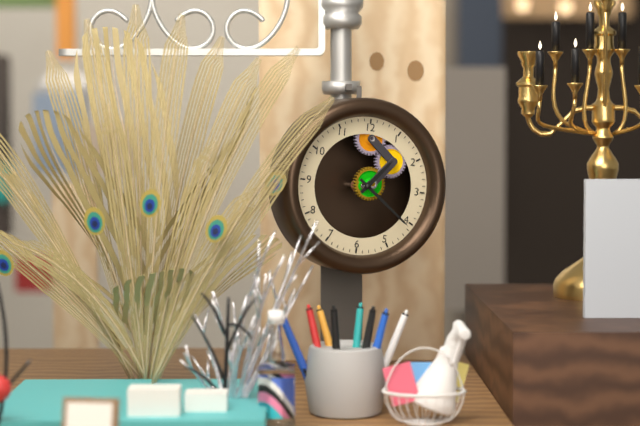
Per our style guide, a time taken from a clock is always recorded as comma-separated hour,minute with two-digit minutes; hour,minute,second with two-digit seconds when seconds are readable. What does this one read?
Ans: 1,21
